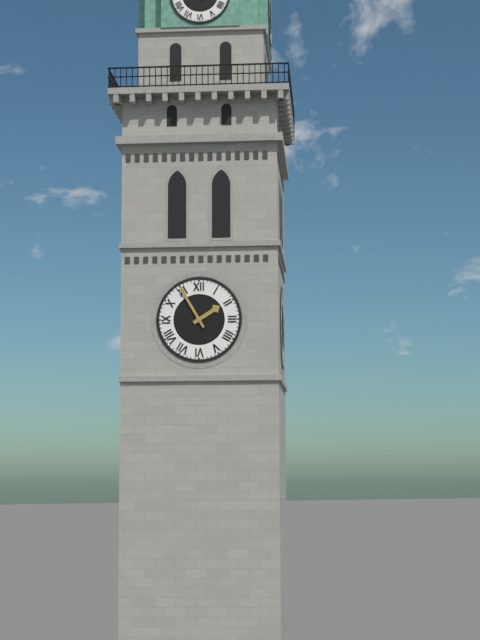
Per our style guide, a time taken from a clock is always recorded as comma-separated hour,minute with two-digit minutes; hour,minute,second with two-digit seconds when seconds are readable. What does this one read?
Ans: 1,55
